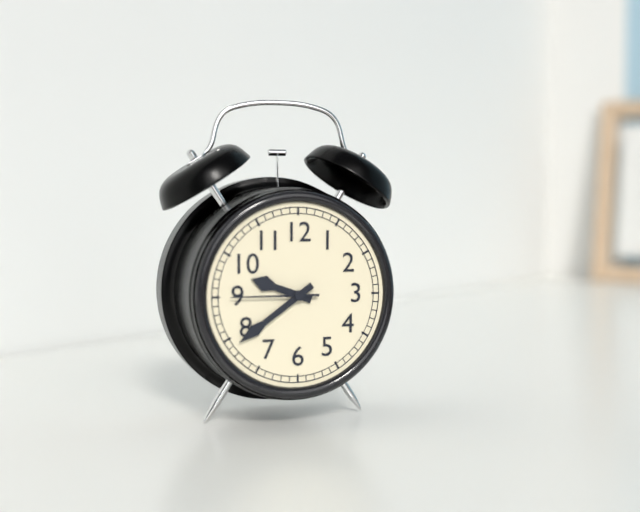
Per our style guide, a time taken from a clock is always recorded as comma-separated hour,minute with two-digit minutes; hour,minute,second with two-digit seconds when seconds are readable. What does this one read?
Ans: 9,39,45
